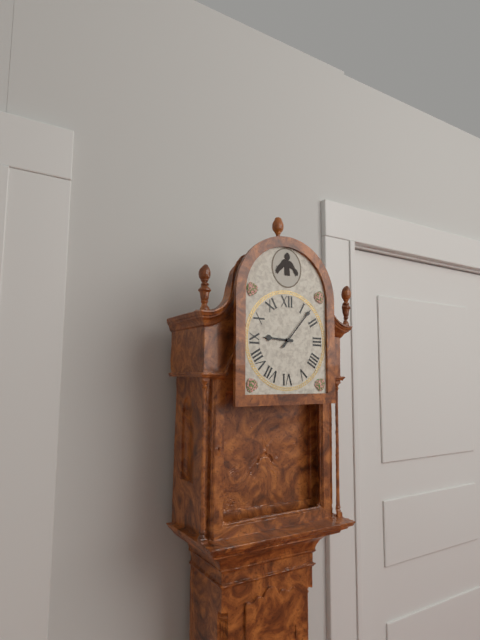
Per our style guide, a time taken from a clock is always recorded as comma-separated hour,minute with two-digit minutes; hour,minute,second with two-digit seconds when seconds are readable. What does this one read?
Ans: 9,07
